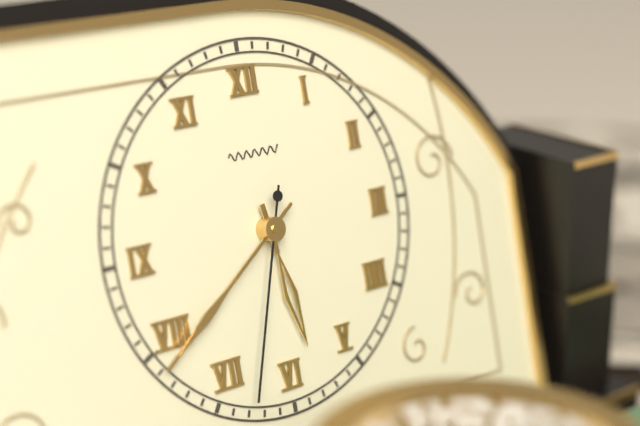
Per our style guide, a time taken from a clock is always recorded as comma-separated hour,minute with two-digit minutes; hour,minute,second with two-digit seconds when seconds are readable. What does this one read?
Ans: 5,39,33
